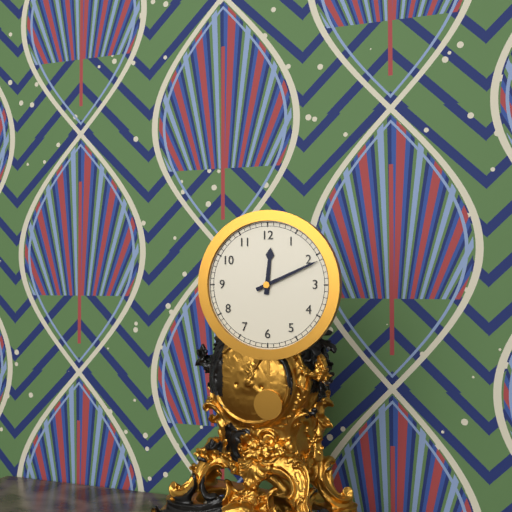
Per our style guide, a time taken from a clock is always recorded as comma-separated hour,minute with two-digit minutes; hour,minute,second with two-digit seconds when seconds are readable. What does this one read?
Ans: 12,11
